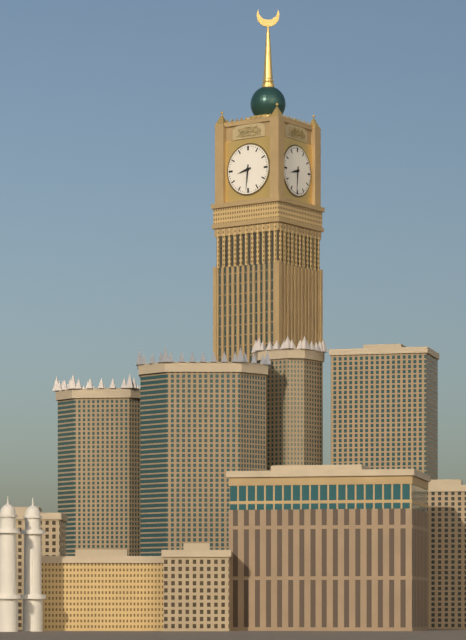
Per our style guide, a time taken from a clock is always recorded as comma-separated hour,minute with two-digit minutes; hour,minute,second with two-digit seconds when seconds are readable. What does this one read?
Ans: 8,31
